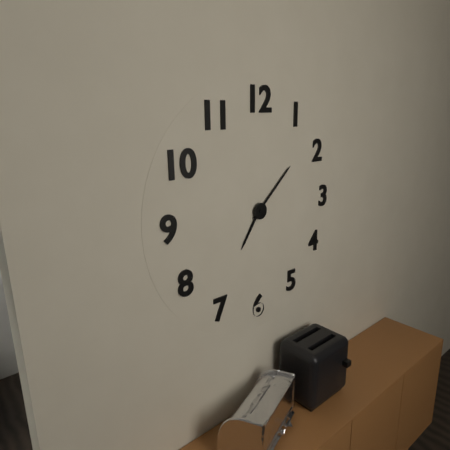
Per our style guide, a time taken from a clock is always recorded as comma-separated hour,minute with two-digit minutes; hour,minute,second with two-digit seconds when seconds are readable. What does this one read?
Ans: 7,08
